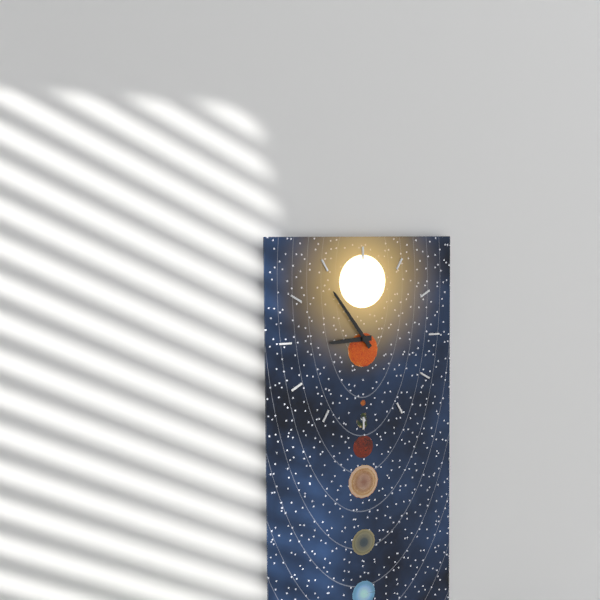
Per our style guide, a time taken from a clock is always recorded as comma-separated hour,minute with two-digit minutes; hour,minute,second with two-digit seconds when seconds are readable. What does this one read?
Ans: 8,54
